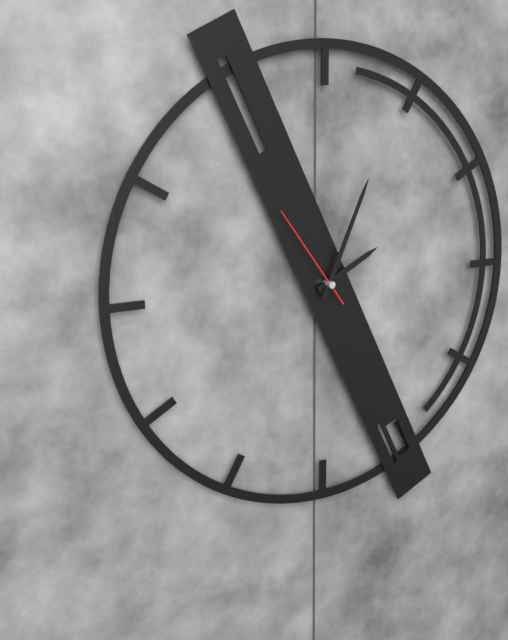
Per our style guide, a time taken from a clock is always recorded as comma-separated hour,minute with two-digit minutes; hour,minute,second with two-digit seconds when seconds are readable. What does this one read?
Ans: 2,04,54
